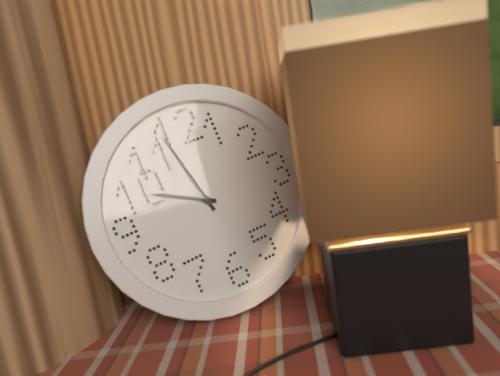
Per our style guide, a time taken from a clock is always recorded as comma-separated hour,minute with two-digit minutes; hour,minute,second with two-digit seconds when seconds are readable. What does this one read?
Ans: 9,58
